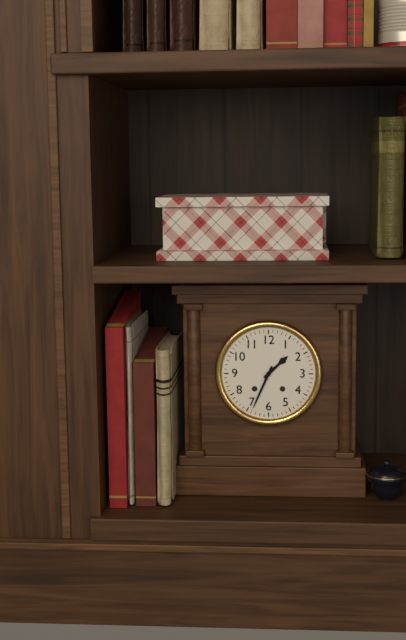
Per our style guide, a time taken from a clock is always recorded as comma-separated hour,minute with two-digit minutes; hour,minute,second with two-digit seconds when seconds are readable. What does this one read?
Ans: 1,34
